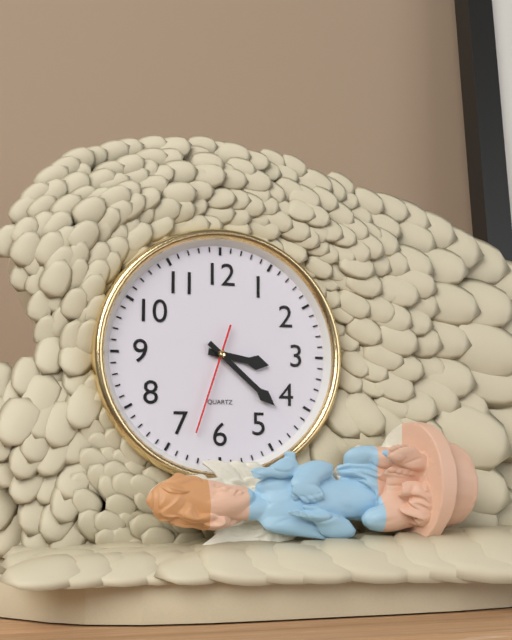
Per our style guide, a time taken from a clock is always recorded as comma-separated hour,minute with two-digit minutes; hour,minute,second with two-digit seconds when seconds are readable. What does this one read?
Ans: 3,22,33
